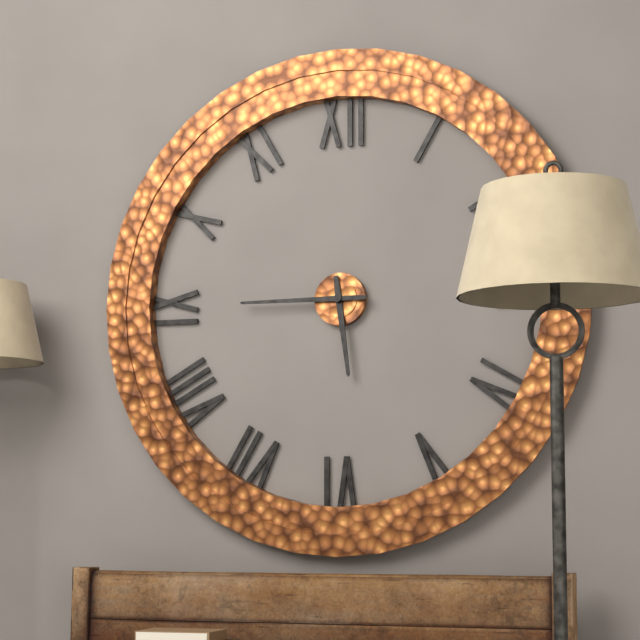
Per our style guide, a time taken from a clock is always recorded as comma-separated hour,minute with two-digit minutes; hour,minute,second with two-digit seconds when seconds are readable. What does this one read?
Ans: 5,45
